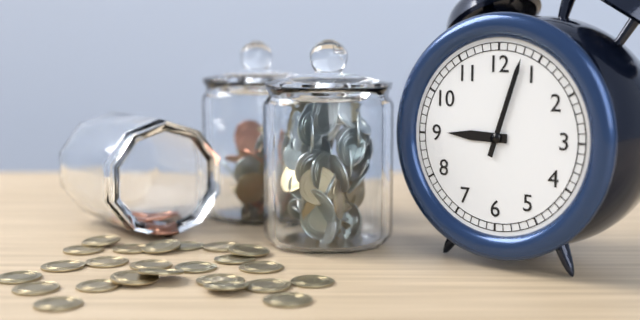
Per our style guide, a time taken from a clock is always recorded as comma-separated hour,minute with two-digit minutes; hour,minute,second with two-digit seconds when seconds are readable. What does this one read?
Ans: 9,03
